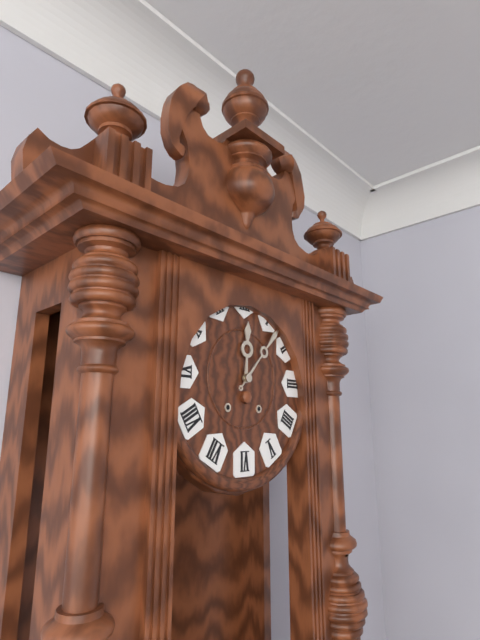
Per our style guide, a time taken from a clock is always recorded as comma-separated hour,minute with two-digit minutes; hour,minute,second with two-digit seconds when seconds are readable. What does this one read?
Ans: 12,07
